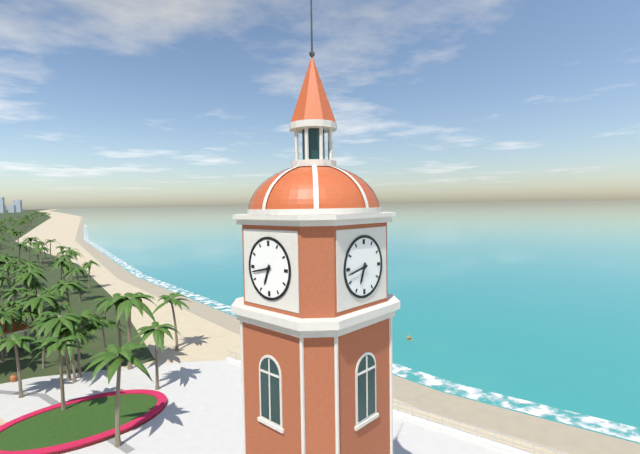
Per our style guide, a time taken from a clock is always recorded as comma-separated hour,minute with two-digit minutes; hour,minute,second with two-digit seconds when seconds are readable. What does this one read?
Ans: 6,43
